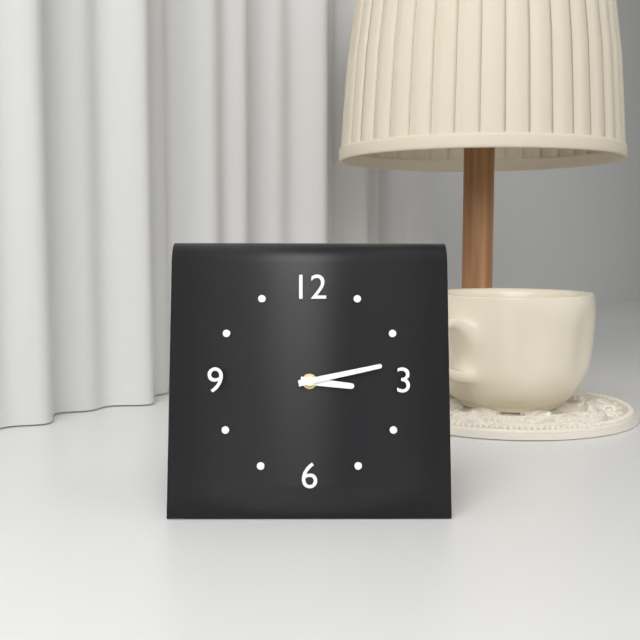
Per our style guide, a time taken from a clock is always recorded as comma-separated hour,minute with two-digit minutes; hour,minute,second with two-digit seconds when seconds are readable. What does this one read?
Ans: 3,13
